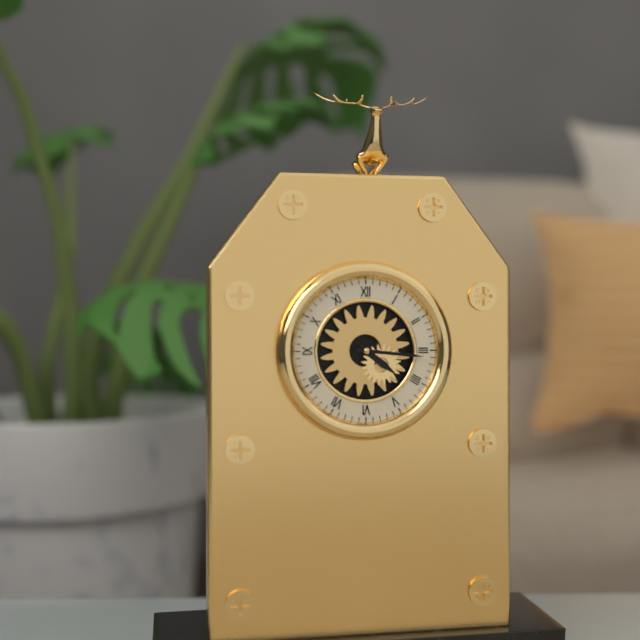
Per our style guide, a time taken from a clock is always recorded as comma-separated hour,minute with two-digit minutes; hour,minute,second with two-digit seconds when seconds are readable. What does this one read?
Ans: 4,16
